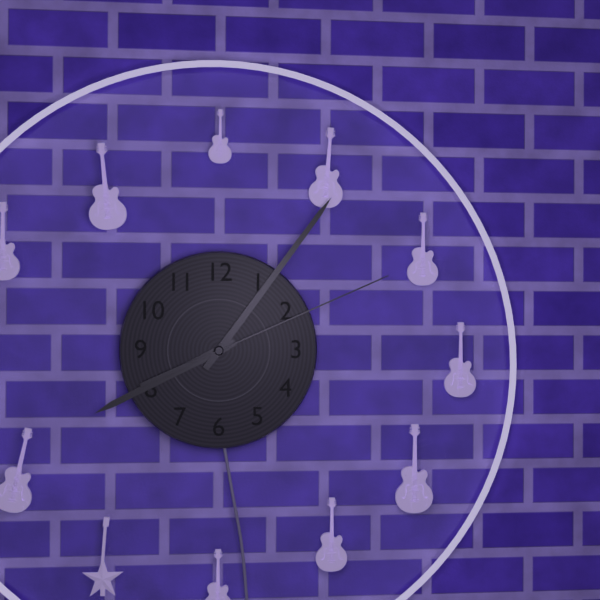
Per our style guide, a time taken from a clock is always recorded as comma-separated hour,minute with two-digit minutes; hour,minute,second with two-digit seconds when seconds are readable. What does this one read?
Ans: 8,06,11
